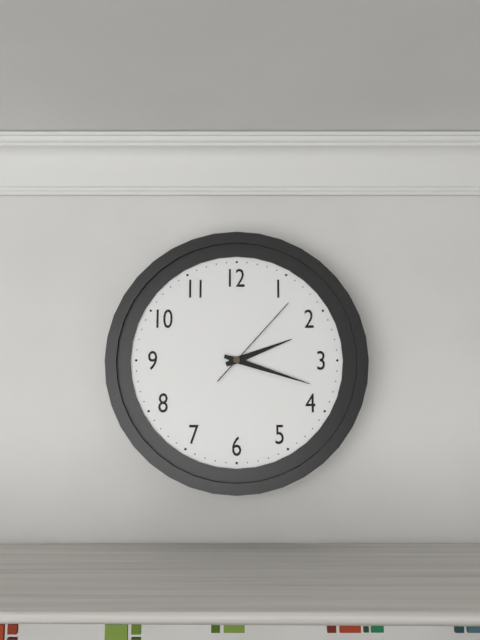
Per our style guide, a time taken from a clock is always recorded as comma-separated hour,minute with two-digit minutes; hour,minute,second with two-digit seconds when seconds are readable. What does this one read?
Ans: 2,18,07
